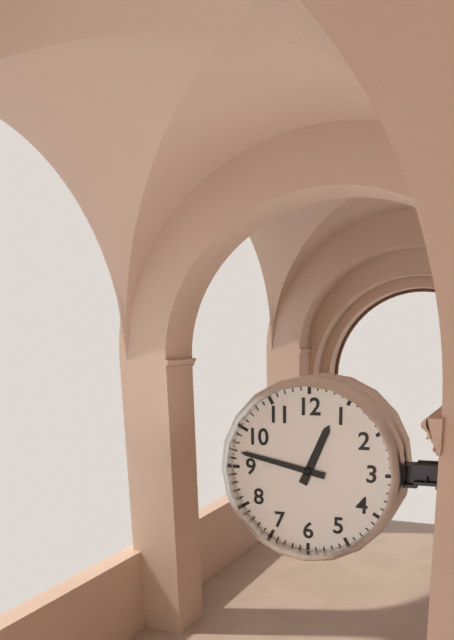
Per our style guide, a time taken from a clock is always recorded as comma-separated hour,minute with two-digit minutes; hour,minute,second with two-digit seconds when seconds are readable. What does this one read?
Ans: 12,47
